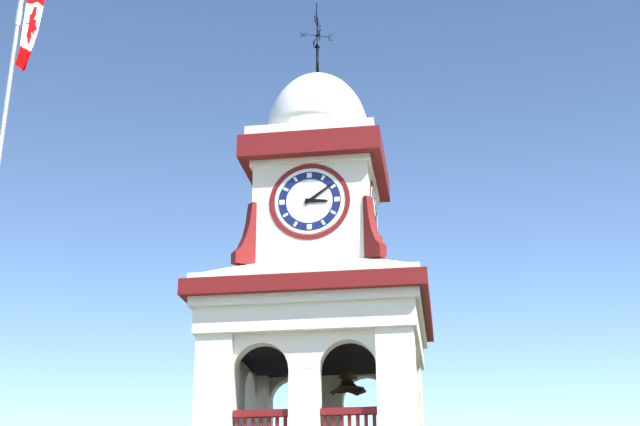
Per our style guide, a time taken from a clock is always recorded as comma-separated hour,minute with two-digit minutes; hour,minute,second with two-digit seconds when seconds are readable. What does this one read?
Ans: 3,09
